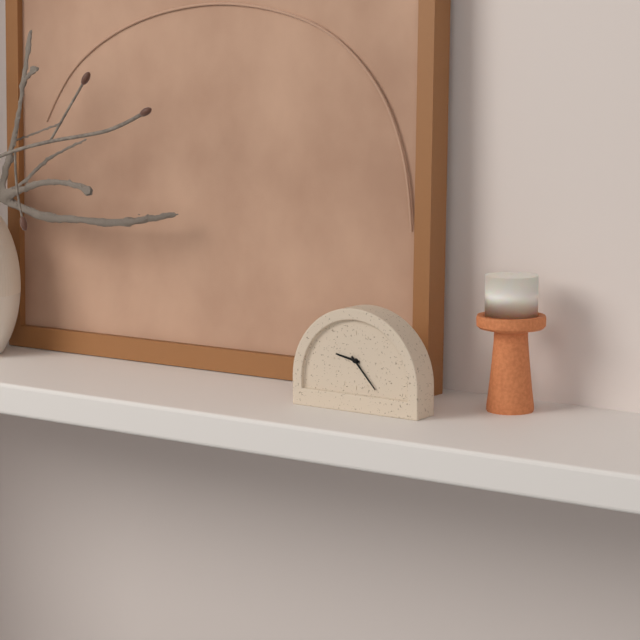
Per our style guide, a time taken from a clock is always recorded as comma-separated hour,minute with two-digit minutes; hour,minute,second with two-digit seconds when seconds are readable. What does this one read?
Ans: 9,23
